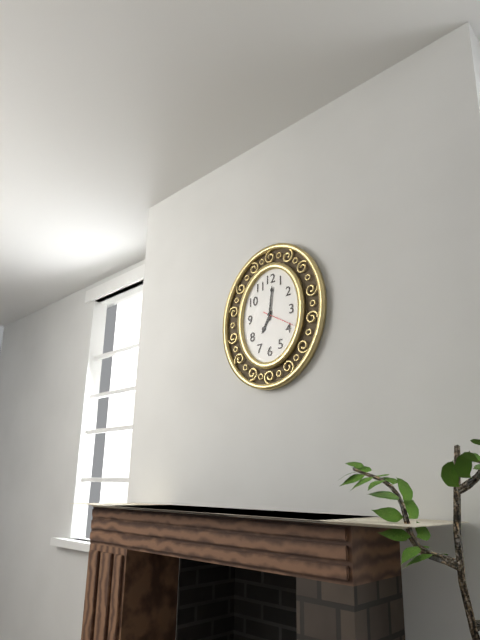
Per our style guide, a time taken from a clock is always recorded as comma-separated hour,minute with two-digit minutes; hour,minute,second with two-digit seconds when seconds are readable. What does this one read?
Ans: 7,01
